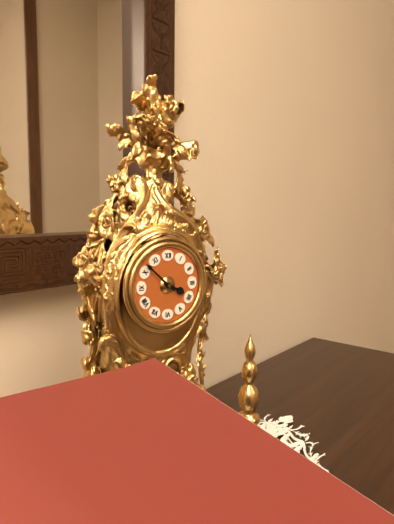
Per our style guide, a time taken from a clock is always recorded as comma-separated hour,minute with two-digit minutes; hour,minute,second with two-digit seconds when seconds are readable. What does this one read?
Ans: 3,52
